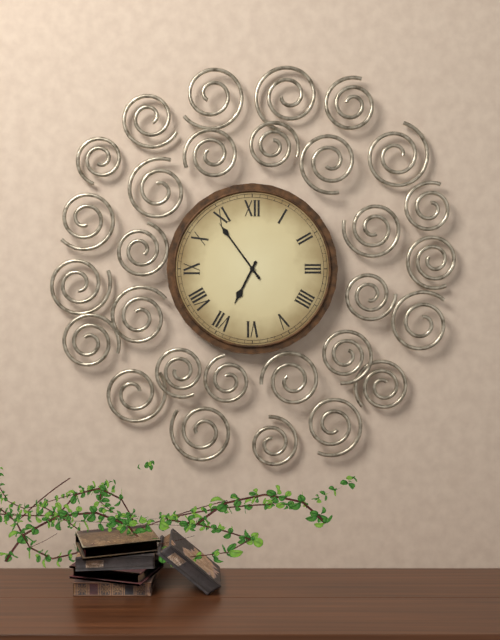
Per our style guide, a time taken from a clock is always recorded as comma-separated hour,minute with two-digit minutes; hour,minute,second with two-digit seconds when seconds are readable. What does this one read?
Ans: 6,54
